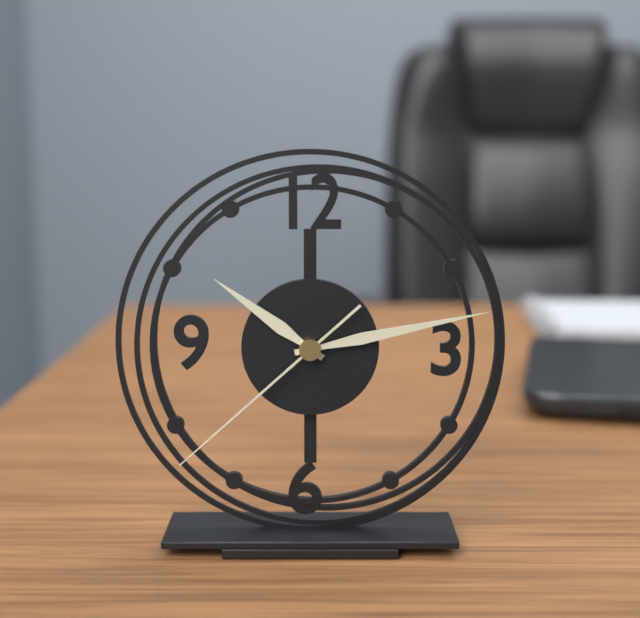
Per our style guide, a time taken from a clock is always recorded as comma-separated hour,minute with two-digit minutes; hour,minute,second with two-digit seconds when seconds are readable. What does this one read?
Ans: 10,13,38
